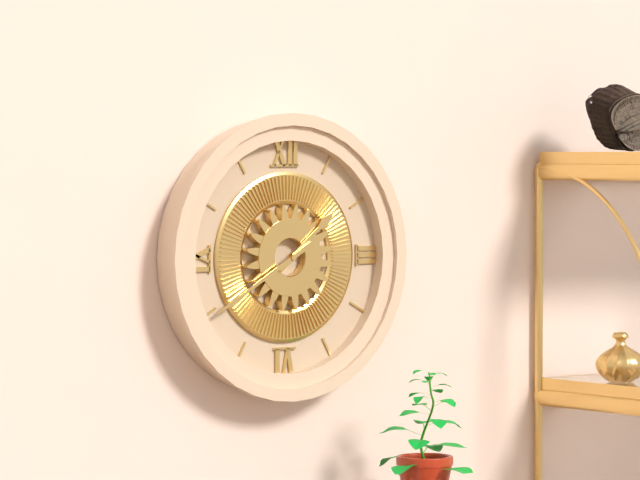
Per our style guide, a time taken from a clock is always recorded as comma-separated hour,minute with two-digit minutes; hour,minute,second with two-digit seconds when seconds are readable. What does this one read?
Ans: 1,40
